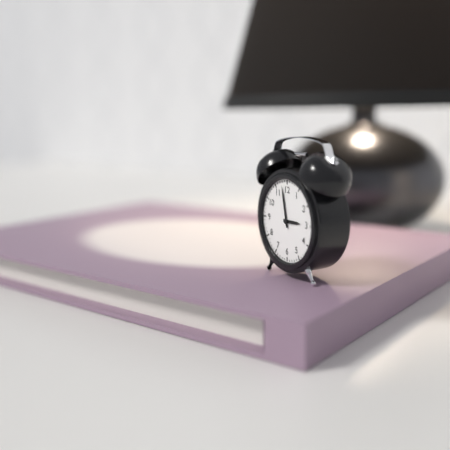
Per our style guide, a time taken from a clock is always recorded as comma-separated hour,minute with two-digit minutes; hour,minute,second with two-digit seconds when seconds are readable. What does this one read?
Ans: 2,58
